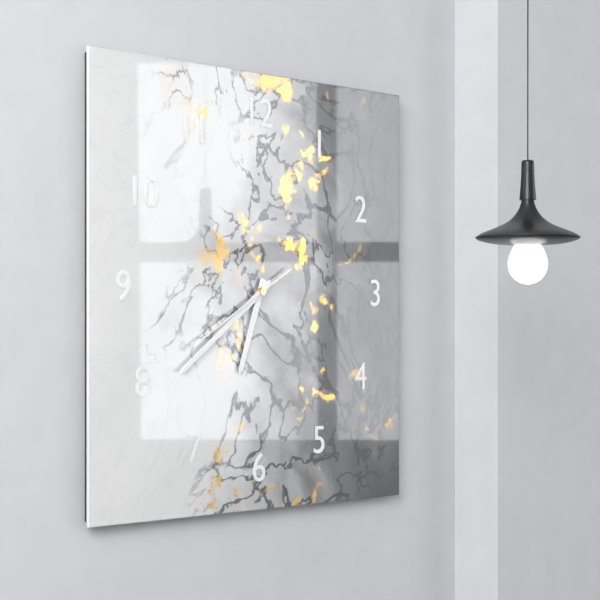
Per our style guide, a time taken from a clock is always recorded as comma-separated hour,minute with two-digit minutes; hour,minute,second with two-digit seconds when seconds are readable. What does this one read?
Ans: 6,39,40
